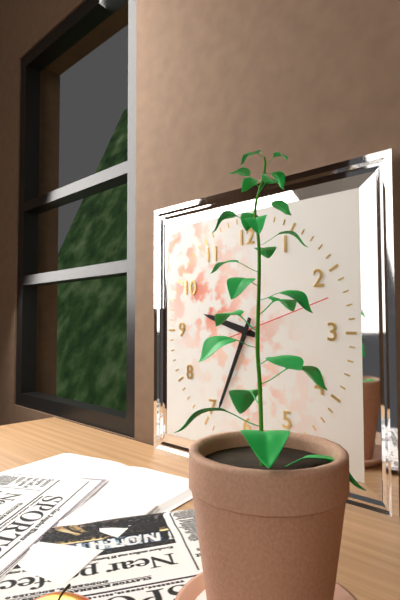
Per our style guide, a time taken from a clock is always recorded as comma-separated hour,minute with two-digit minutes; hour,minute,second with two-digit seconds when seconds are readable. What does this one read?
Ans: 9,34,12
